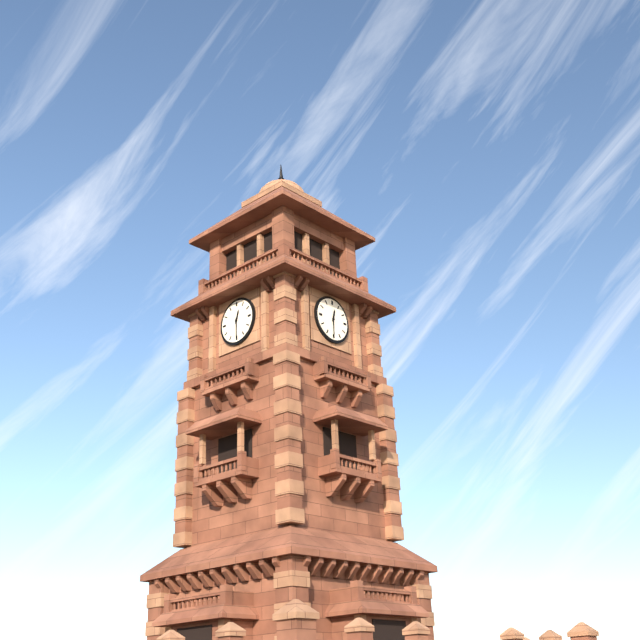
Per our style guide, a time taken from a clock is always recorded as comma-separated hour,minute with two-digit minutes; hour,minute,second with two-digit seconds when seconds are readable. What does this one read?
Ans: 12,30
